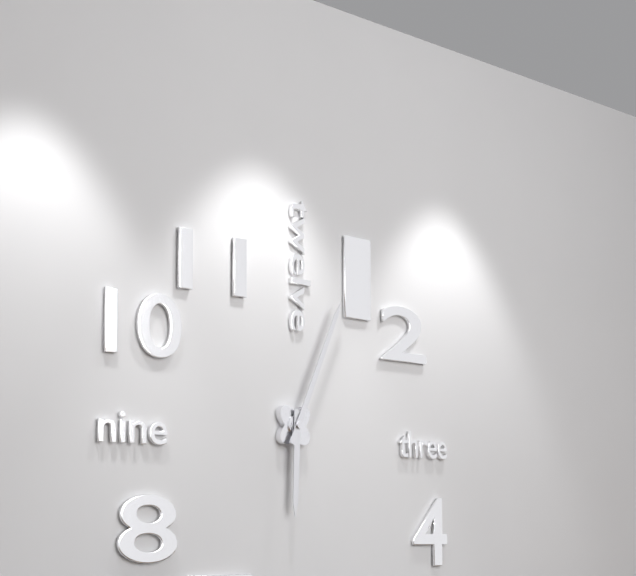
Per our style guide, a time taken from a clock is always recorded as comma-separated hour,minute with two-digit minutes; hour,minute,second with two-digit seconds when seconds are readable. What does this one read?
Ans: 6,04
